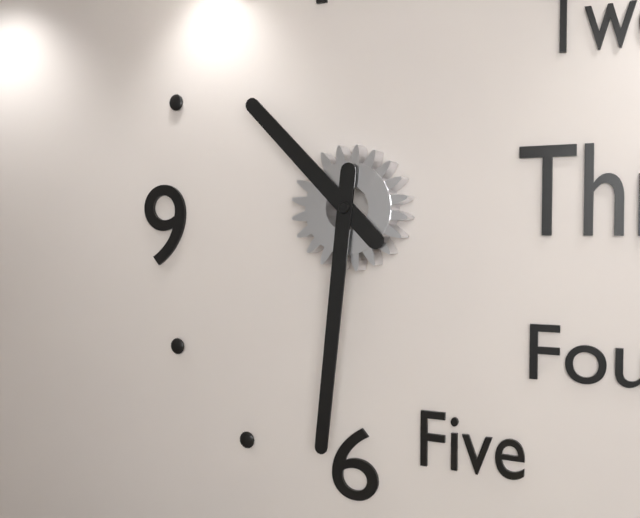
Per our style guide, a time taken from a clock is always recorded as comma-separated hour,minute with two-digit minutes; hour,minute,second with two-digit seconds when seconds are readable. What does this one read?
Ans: 10,31
